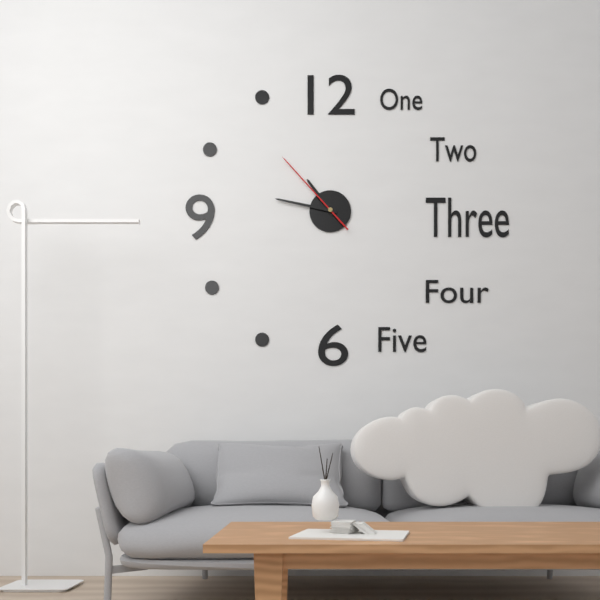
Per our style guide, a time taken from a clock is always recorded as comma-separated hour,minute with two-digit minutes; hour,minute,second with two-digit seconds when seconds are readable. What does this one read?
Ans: 10,47,53
